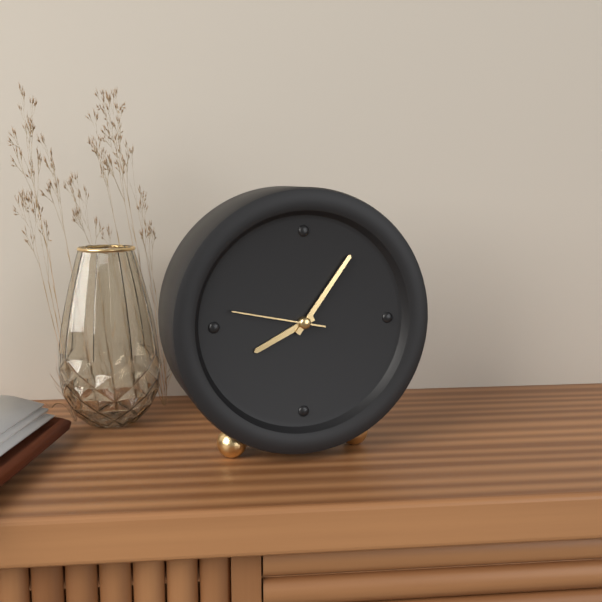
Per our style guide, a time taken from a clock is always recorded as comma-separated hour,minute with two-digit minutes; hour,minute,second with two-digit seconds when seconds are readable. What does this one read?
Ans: 8,06,47
